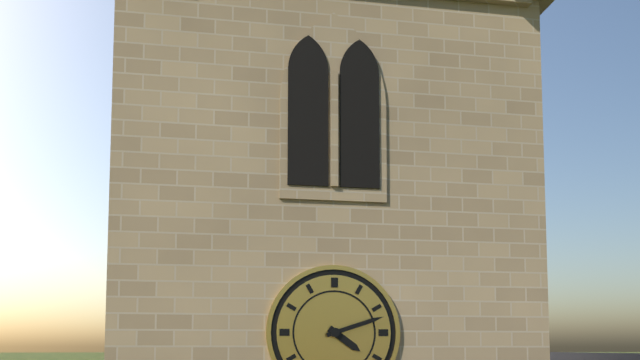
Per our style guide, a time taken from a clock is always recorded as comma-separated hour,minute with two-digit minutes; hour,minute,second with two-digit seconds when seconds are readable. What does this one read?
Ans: 4,12
